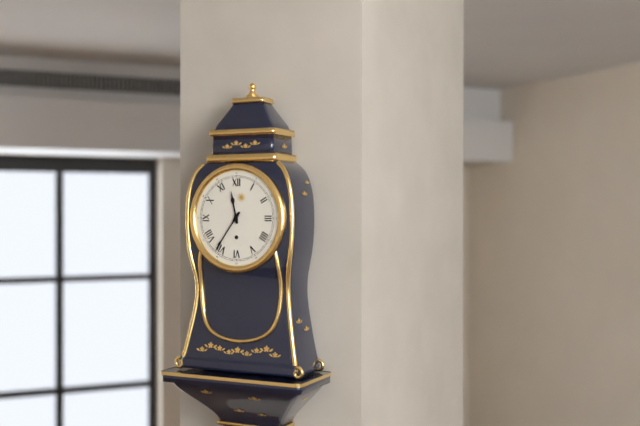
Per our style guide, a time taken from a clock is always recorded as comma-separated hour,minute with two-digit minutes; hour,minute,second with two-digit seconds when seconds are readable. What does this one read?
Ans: 11,36
